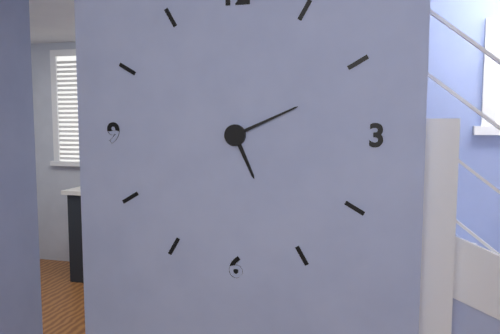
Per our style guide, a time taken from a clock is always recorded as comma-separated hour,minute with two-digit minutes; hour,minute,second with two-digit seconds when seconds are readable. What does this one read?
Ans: 5,11
